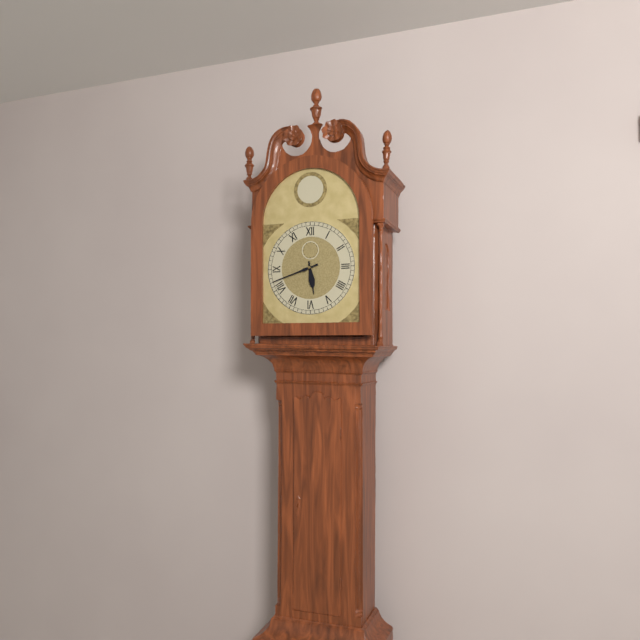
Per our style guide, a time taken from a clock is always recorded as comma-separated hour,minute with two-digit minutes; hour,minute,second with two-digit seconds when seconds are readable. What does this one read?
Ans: 5,42
